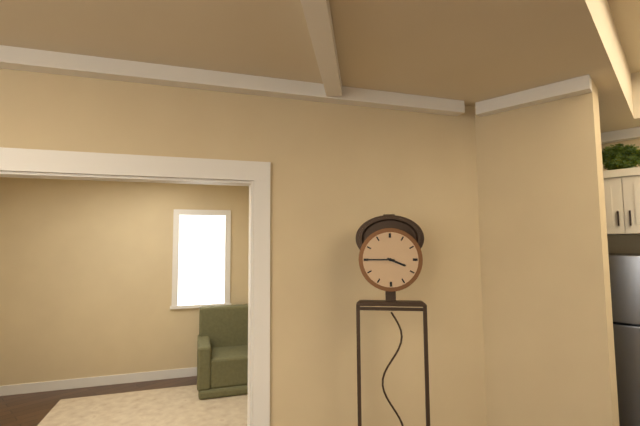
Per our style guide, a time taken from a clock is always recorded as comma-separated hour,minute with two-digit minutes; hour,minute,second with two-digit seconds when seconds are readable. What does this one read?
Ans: 3,45
